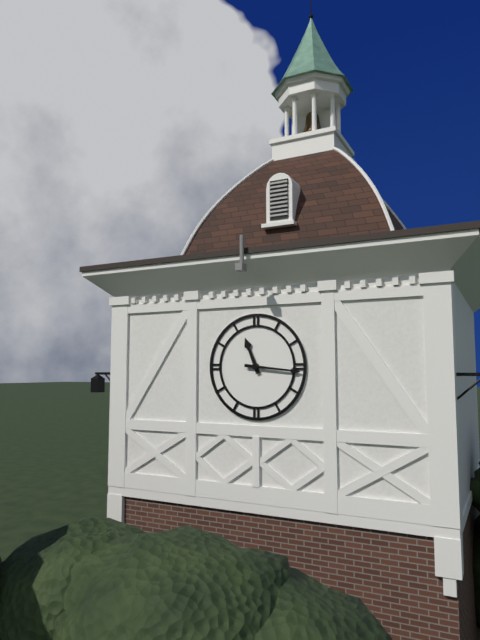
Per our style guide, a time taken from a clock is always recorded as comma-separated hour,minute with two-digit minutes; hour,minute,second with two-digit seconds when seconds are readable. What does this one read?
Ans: 11,16
